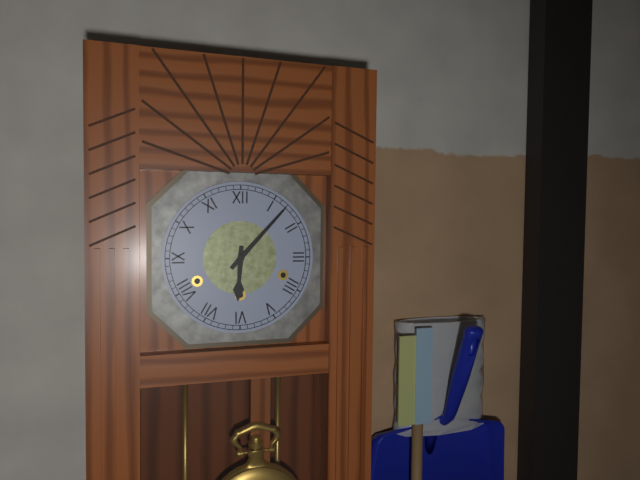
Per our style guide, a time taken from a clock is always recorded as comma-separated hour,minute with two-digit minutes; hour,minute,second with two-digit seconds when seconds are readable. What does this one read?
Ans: 6,07
